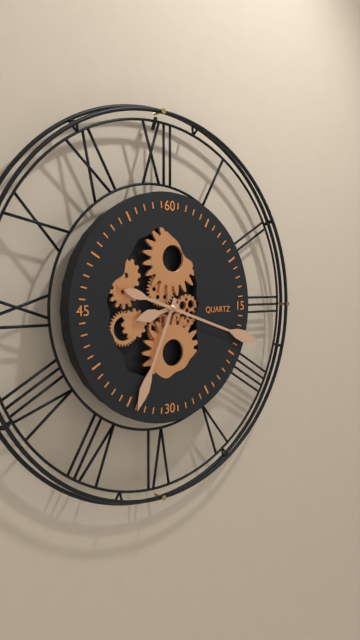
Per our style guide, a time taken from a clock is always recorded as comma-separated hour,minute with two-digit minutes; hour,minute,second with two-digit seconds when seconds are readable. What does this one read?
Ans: 8,34,18
